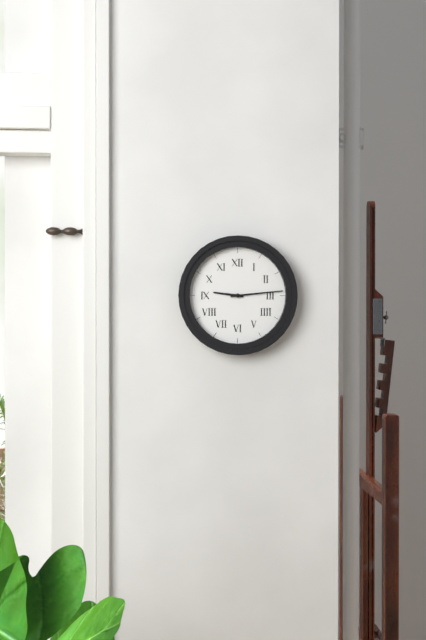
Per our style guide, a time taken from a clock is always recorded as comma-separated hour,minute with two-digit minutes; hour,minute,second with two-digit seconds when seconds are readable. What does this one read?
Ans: 9,14
